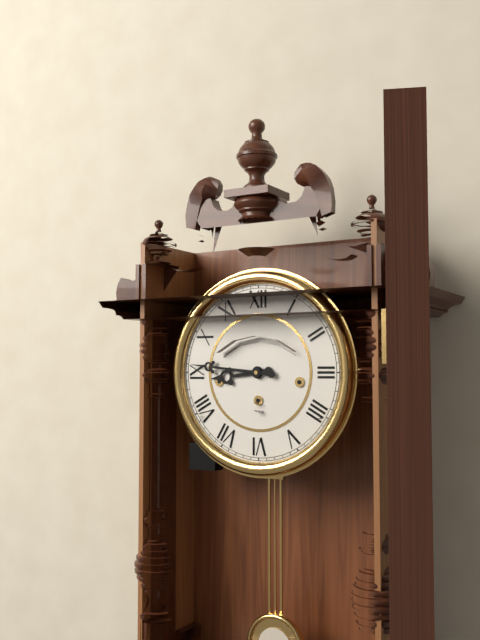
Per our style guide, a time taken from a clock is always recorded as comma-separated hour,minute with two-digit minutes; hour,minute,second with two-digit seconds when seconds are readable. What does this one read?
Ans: 8,46
